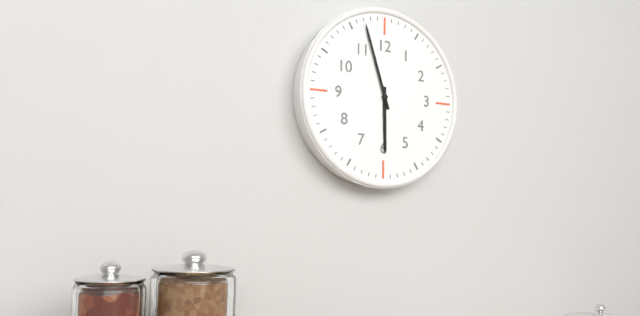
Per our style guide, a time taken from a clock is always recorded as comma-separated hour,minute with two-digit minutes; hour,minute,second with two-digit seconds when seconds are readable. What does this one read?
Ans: 5,57
